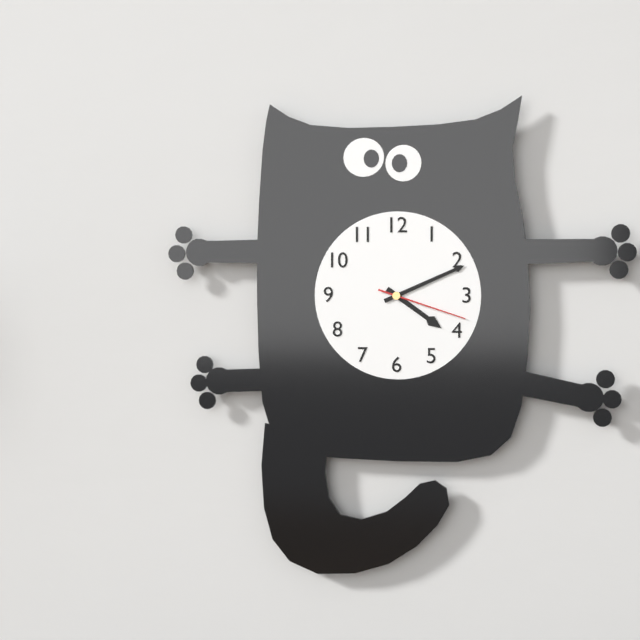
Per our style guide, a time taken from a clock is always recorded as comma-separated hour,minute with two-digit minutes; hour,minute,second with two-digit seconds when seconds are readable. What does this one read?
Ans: 4,11,18
